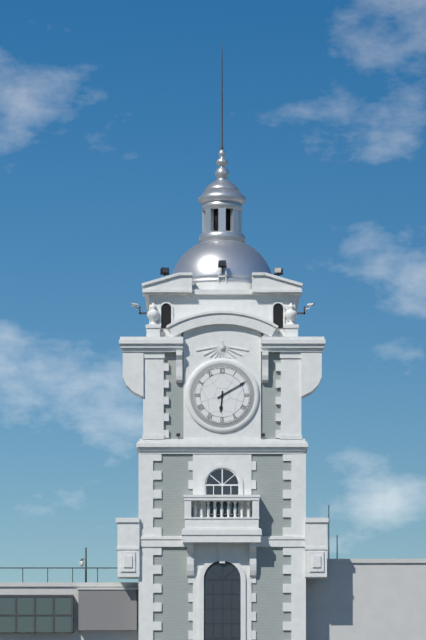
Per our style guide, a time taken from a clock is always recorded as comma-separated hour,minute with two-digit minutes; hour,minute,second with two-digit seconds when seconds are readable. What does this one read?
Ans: 6,10
